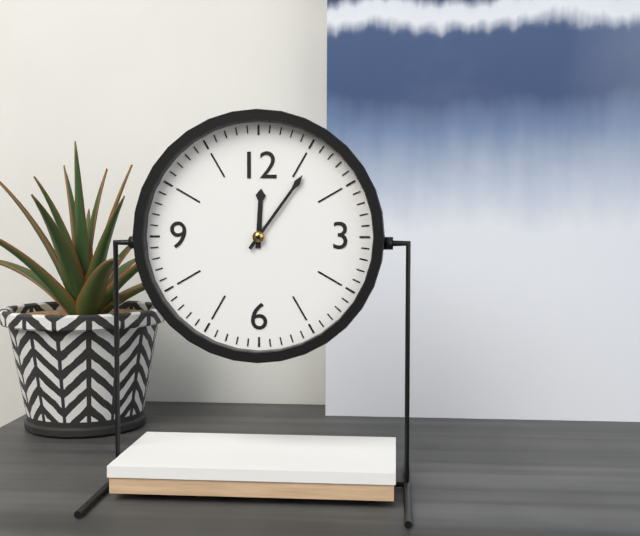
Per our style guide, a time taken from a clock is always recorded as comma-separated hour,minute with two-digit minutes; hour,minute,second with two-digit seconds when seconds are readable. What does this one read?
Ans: 12,06
